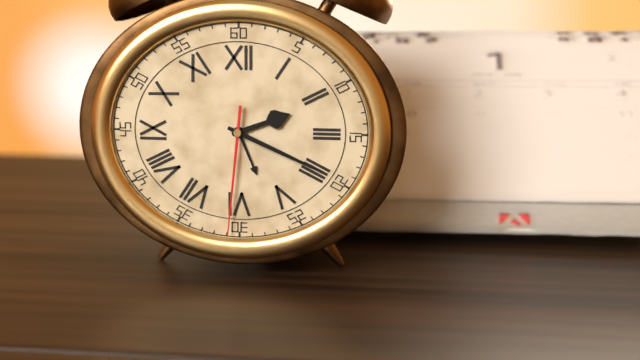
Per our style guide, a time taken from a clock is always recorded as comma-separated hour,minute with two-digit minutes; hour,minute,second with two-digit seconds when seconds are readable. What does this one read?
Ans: 2,19,31
